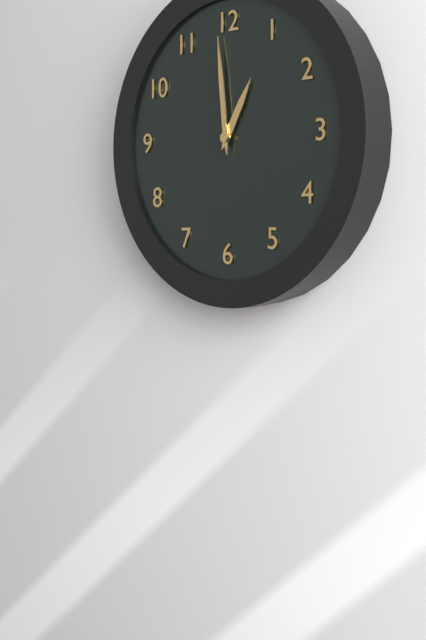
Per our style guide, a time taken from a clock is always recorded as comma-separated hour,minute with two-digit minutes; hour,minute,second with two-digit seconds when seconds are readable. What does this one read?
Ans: 12,59
